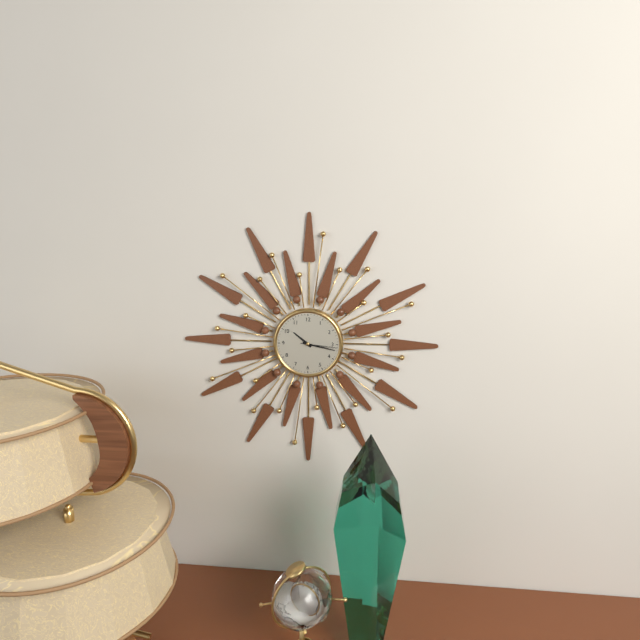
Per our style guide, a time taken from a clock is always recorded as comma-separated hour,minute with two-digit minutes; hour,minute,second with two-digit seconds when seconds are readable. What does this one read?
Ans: 10,17
